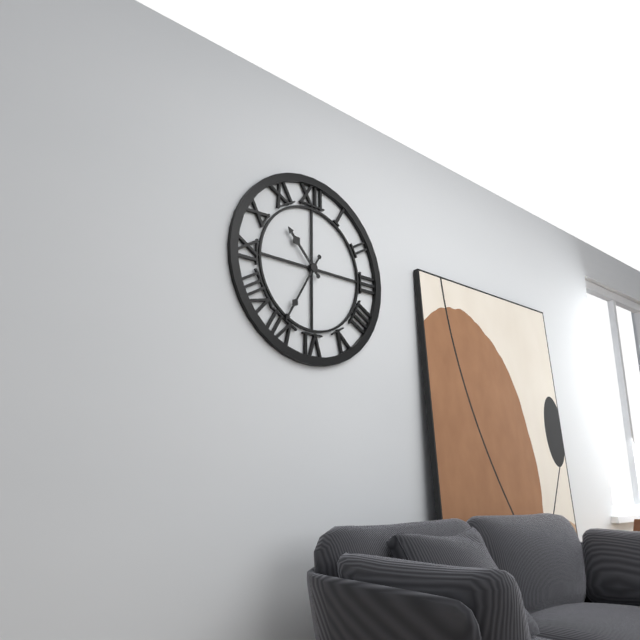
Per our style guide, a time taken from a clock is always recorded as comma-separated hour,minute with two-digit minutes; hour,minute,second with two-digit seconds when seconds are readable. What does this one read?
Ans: 10,35
